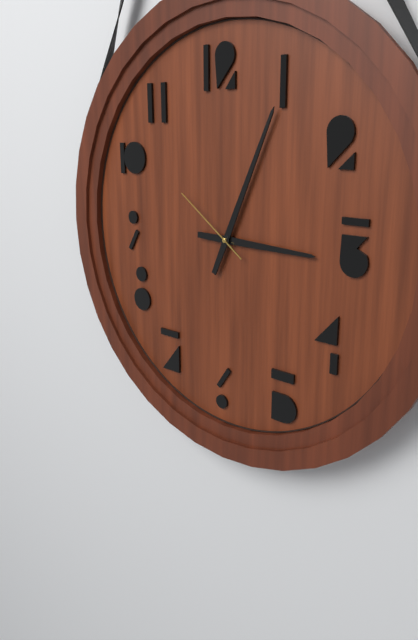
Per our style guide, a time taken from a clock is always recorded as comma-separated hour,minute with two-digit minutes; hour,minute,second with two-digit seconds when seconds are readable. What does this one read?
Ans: 3,04,51
